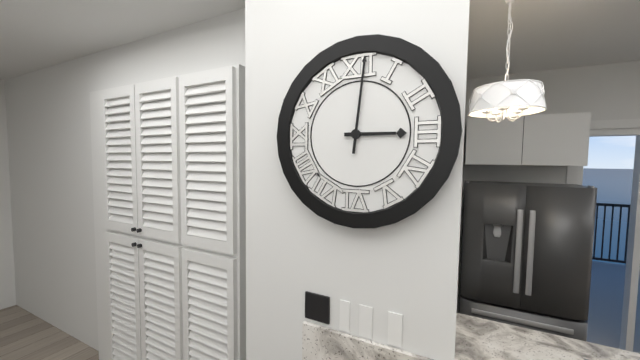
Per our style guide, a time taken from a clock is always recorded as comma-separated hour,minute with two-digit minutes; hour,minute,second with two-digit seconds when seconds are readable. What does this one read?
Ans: 3,01
